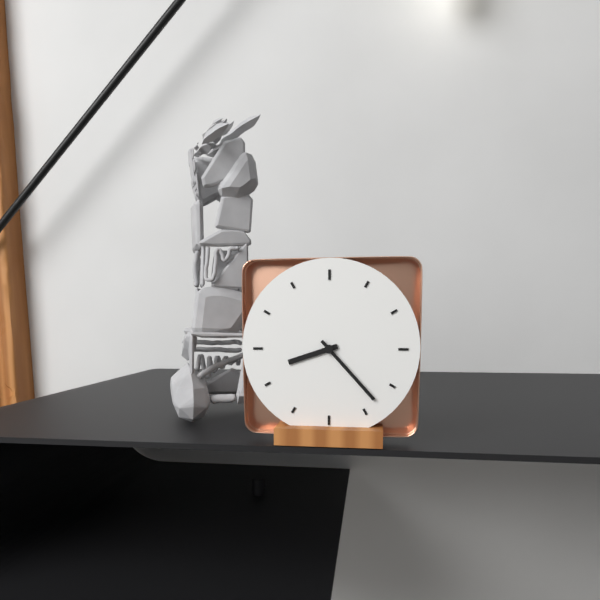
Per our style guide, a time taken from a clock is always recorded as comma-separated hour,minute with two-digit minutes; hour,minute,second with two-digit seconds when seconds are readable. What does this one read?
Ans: 8,23
